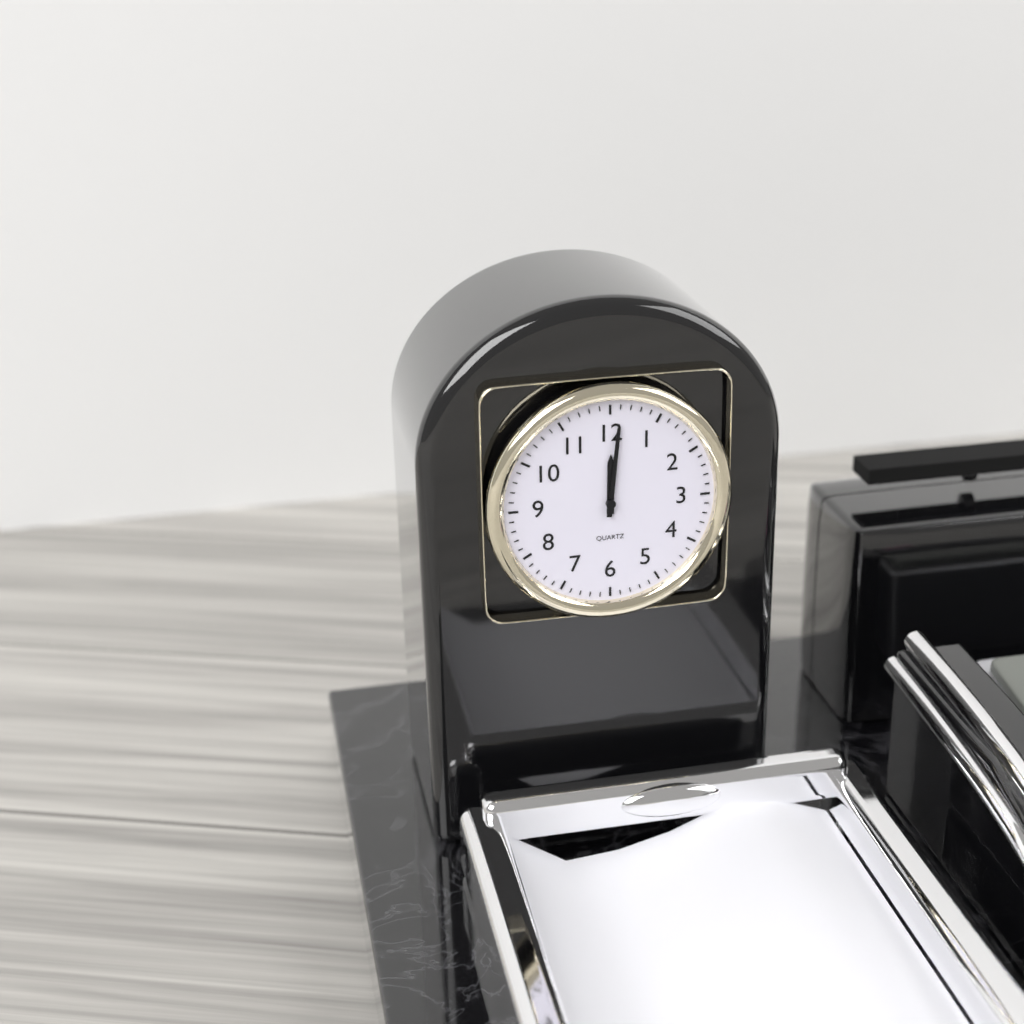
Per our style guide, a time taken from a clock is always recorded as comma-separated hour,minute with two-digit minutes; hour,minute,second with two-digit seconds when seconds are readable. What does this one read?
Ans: 12,01
